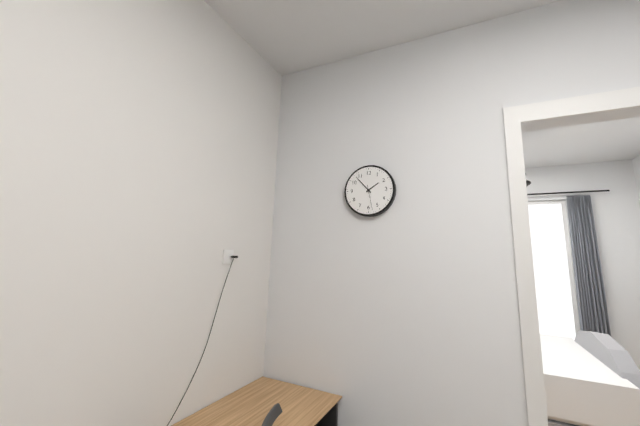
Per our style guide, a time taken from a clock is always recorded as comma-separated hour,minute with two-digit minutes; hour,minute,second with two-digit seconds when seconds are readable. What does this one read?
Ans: 1,53
